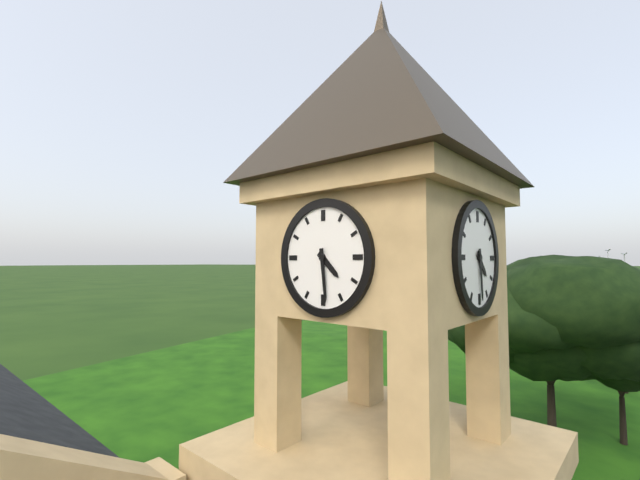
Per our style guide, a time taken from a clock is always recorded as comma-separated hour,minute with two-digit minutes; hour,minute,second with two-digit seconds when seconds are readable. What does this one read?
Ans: 4,29
